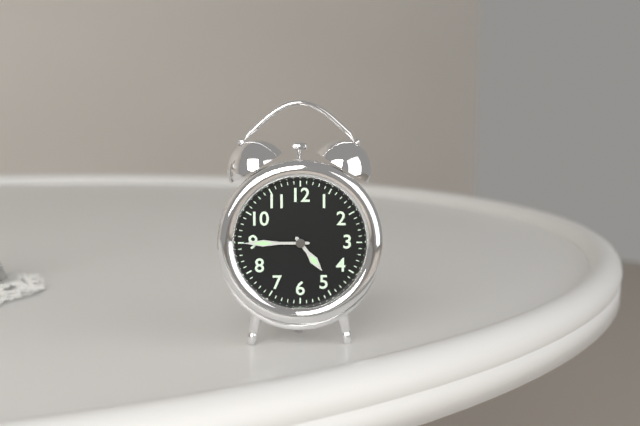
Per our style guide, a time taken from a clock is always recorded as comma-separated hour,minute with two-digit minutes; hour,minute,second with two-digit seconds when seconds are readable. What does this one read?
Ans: 4,45
